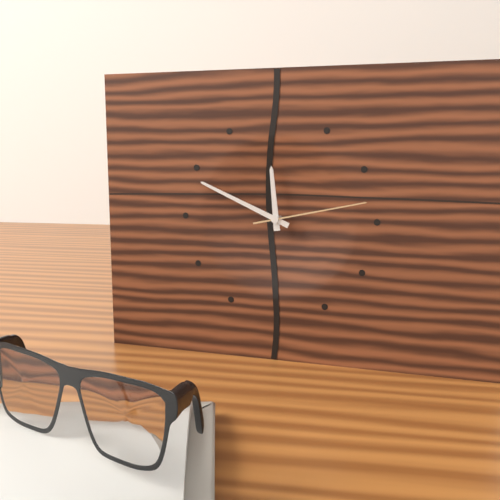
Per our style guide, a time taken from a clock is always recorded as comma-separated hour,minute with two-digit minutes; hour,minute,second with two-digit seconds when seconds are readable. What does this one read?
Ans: 11,49,13
